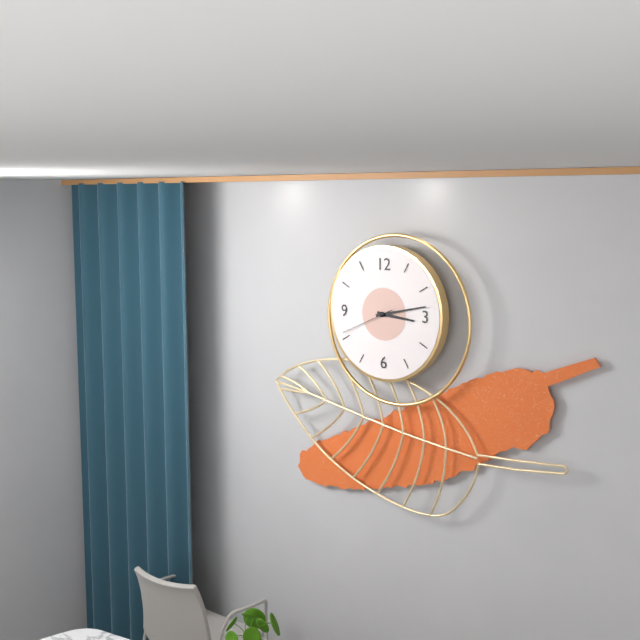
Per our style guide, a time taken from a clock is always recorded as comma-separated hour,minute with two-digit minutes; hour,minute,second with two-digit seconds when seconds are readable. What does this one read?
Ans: 3,13,41
